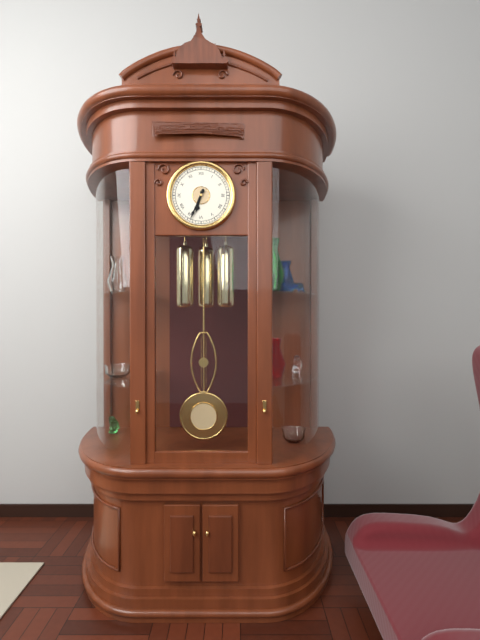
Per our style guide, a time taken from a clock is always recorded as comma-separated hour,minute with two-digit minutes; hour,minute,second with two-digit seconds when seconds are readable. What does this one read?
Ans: 6,34
